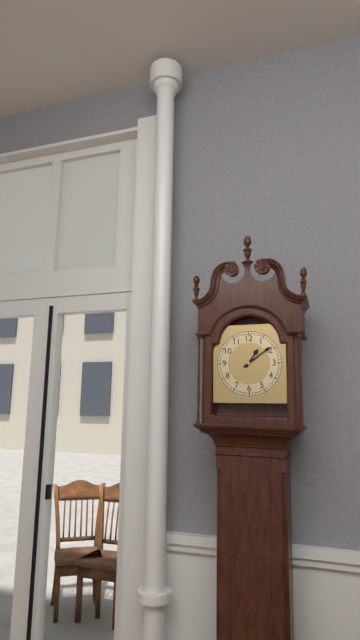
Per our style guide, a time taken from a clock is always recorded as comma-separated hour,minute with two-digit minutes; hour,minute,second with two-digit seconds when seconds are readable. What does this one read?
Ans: 1,09
